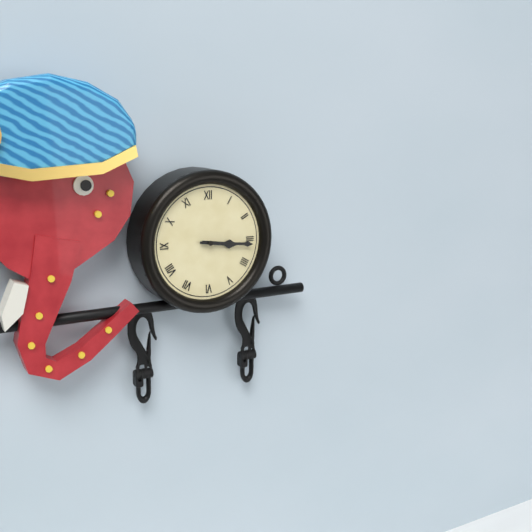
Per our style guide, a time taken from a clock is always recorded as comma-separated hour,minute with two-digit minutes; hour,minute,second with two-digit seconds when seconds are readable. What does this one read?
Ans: 3,16
